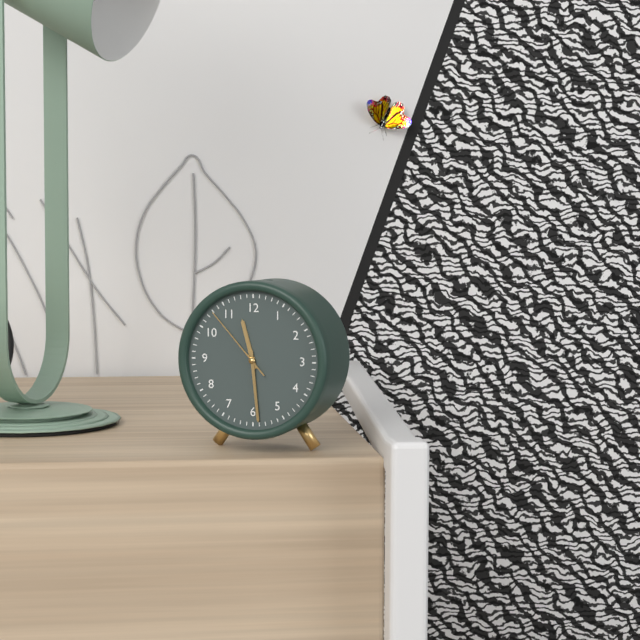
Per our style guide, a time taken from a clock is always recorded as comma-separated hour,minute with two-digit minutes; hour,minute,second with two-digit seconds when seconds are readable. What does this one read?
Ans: 11,29,53
